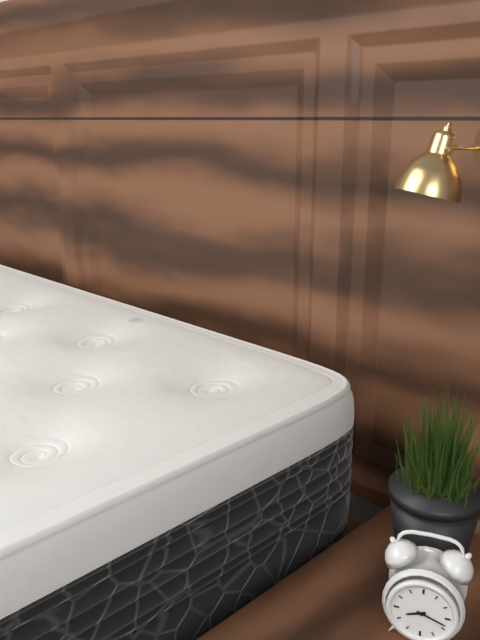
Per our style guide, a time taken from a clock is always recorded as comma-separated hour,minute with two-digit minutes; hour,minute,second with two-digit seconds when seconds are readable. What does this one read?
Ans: 8,18
